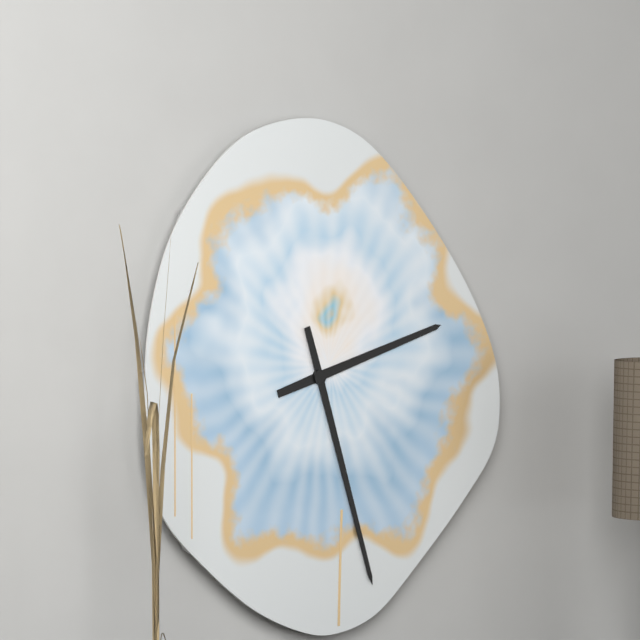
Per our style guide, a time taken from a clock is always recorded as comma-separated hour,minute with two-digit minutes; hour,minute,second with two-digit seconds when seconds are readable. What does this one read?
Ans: 2,27
